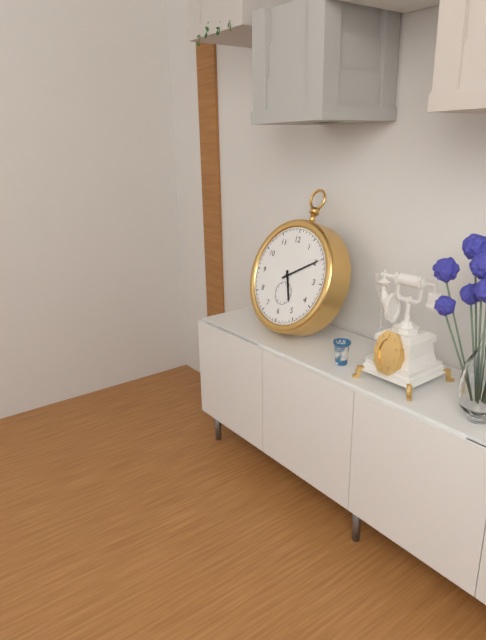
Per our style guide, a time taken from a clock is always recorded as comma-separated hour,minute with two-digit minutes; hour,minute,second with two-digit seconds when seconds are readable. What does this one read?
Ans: 5,10
